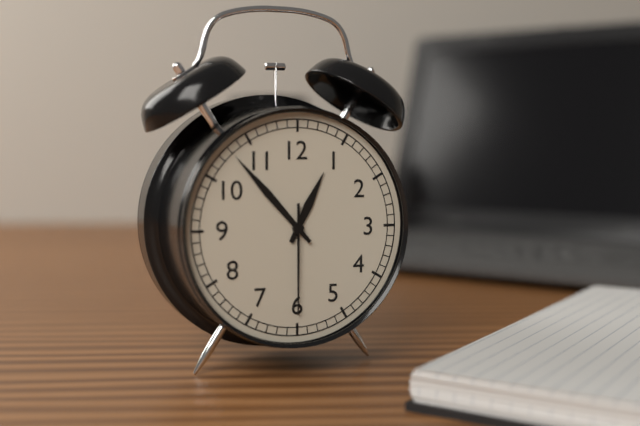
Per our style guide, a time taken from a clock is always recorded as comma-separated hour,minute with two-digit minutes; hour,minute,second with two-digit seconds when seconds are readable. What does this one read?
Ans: 12,53,30
